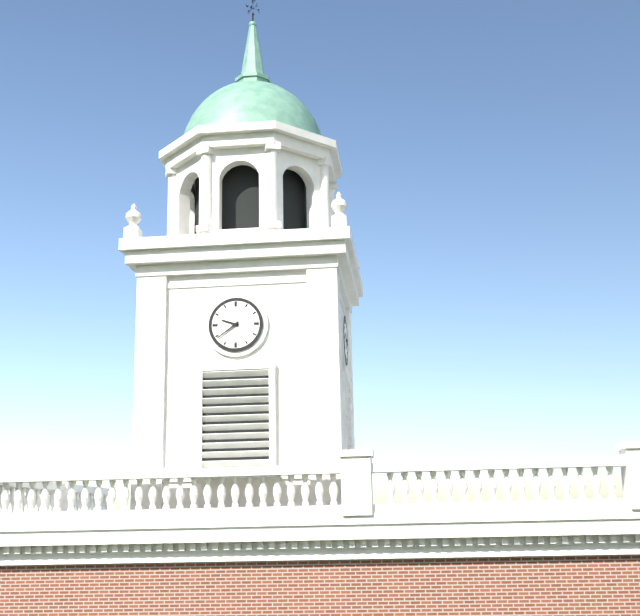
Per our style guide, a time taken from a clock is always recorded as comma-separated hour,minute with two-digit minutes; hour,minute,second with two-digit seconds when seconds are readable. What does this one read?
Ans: 9,39
